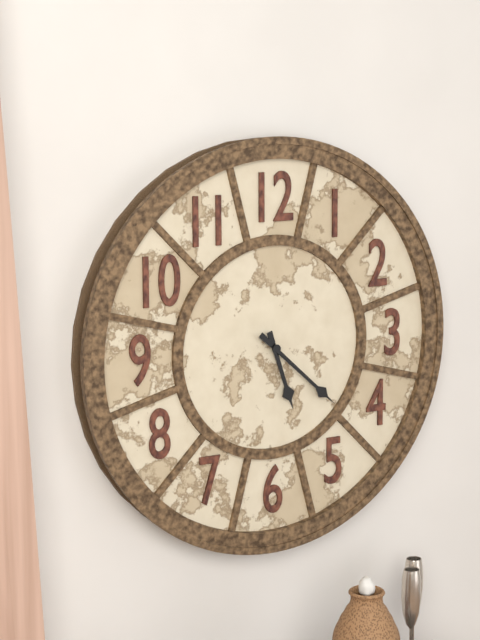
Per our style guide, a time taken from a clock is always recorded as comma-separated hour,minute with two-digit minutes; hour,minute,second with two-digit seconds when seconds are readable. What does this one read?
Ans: 5,22
